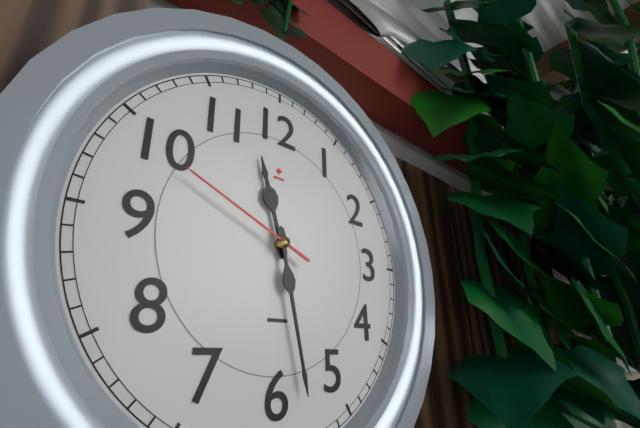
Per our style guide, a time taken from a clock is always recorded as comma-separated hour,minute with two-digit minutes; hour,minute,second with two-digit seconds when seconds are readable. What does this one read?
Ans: 11,28,49
